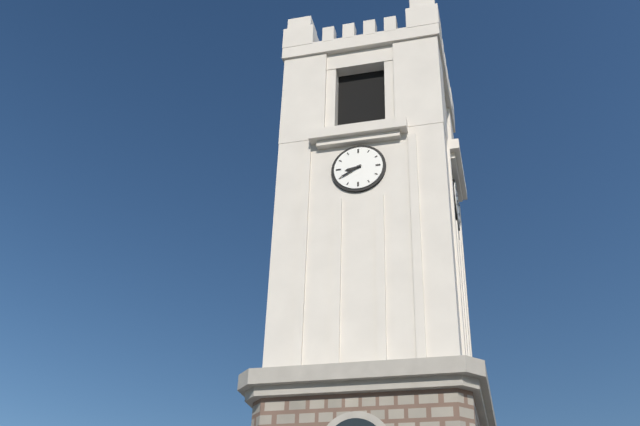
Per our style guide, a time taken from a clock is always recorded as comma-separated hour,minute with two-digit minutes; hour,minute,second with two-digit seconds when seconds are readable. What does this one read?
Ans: 8,40
